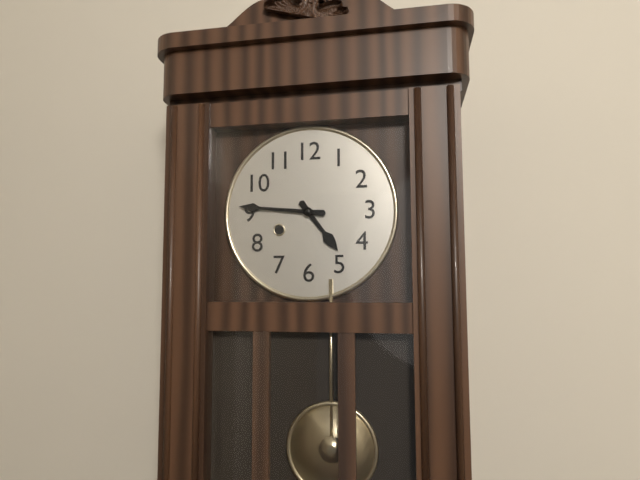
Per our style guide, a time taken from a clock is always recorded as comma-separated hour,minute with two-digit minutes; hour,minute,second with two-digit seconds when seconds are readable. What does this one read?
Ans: 4,46
